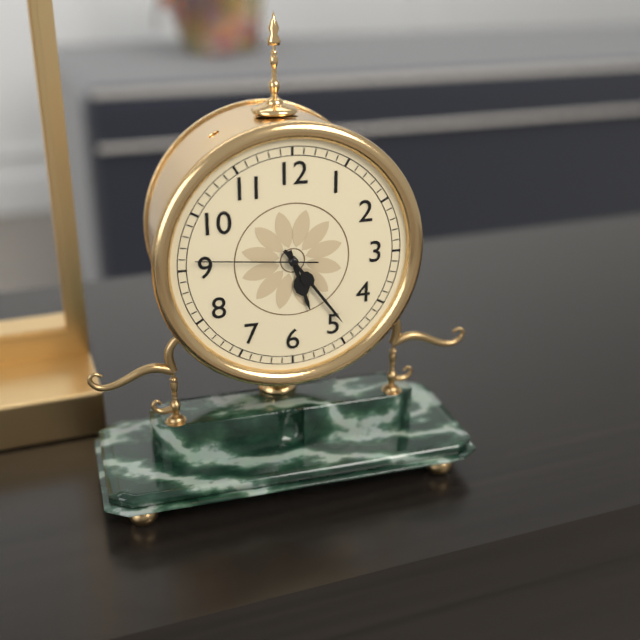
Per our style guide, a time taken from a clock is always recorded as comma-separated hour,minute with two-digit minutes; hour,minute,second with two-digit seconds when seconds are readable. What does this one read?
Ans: 5,24,46
